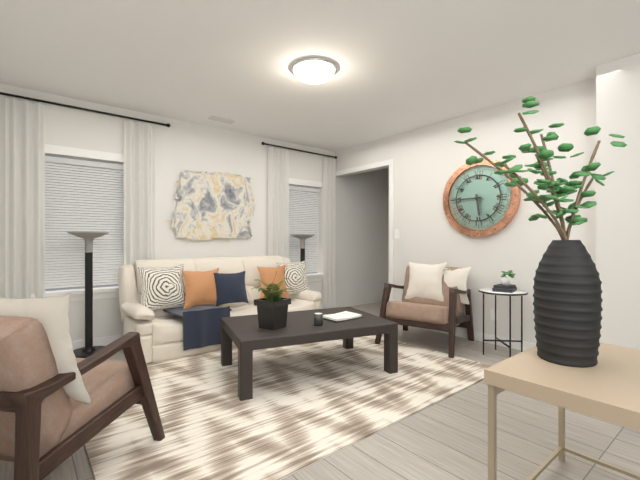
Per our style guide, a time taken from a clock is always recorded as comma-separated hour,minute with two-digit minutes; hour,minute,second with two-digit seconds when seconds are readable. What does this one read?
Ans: 5,45
